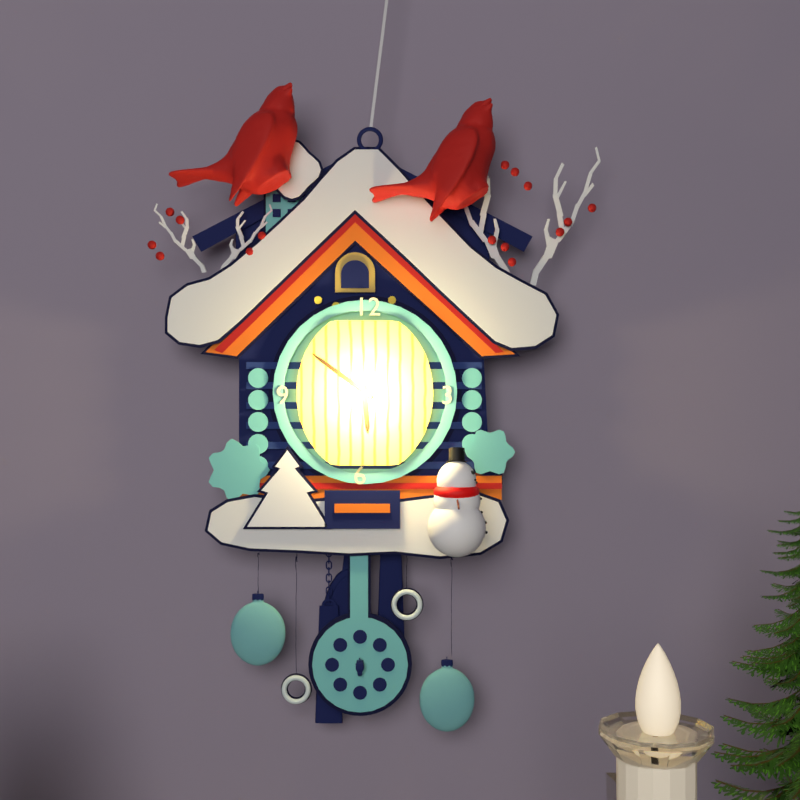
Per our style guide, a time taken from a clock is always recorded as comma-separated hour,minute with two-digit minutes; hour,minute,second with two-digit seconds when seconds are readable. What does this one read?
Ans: 5,51
